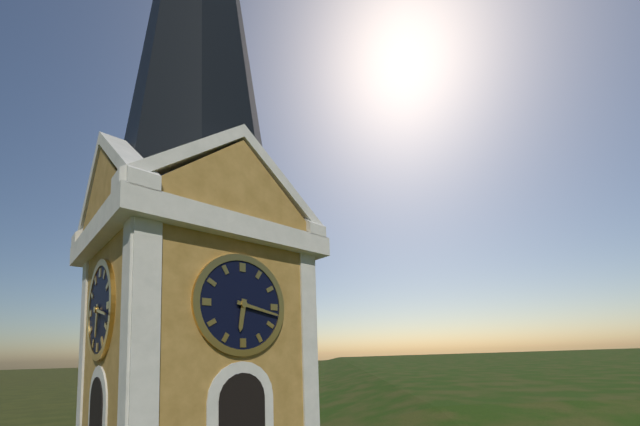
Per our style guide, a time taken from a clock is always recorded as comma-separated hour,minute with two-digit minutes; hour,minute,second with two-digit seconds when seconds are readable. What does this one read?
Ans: 6,17
